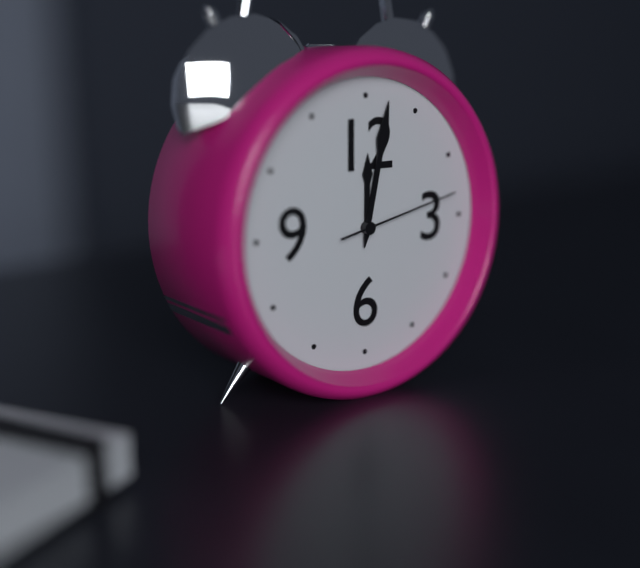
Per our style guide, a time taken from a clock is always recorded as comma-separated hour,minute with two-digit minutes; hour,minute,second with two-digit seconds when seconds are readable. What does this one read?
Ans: 12,02,13
